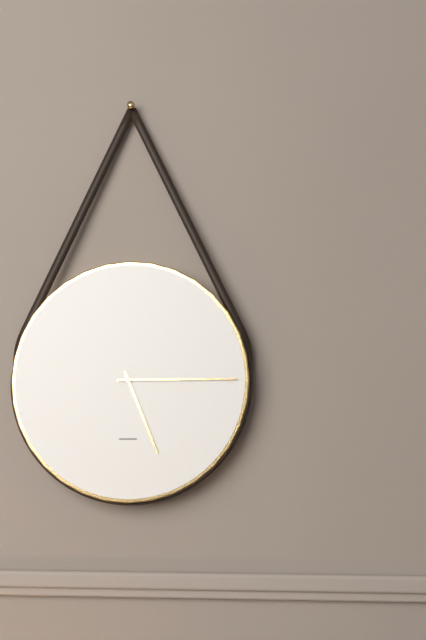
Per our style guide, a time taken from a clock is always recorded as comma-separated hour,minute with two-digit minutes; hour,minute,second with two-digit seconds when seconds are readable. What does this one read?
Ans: 5,15
